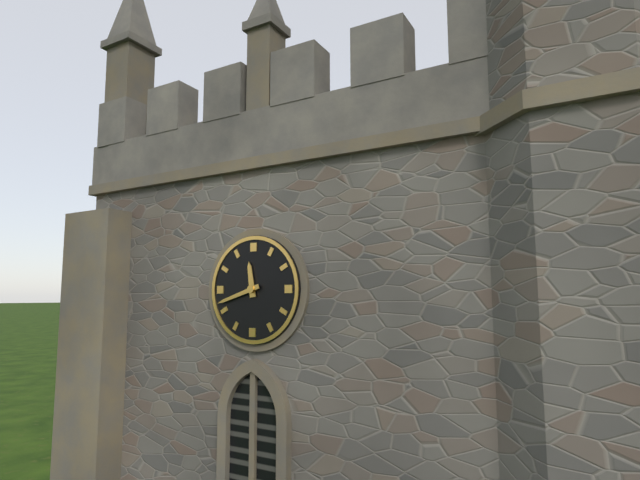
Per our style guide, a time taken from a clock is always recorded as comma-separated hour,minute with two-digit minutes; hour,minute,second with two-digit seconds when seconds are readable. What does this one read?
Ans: 11,42
